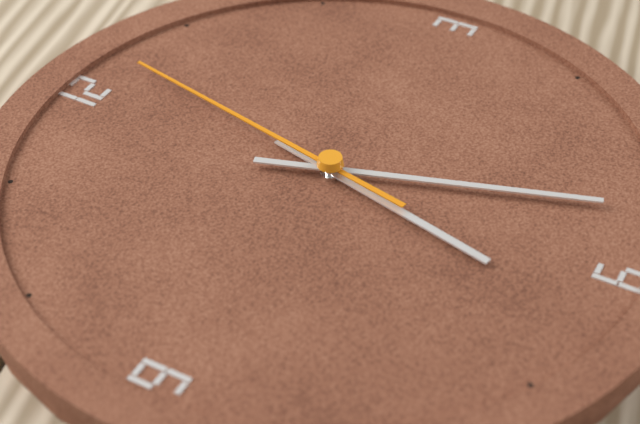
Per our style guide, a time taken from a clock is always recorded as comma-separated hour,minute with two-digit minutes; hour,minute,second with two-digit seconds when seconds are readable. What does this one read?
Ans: 6,27,02
